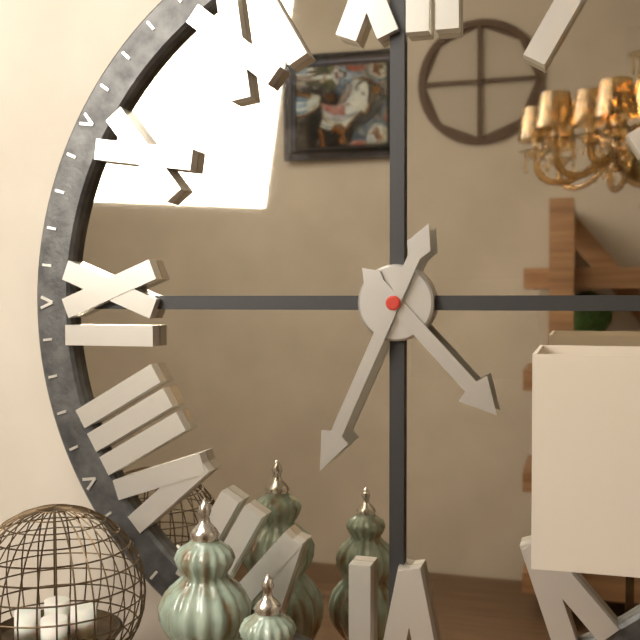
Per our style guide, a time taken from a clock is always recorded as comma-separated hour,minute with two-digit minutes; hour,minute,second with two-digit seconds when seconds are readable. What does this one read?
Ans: 4,34
